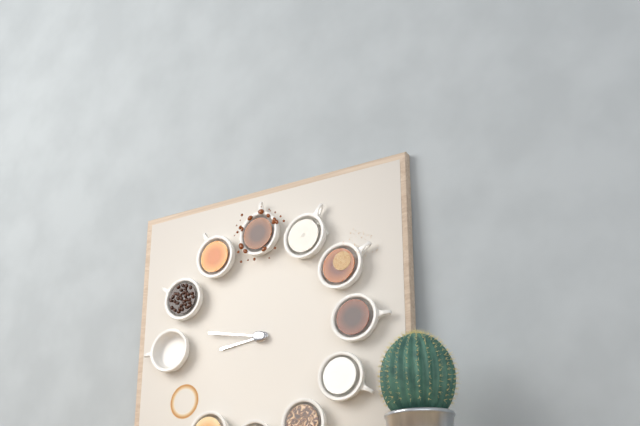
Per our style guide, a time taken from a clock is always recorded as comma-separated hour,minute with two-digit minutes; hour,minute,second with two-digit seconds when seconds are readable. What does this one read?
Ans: 8,47
